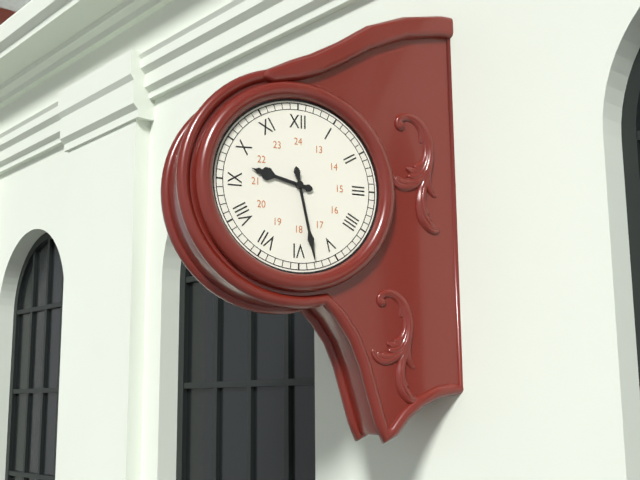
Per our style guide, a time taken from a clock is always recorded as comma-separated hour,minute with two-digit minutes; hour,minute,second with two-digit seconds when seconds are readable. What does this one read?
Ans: 9,28
